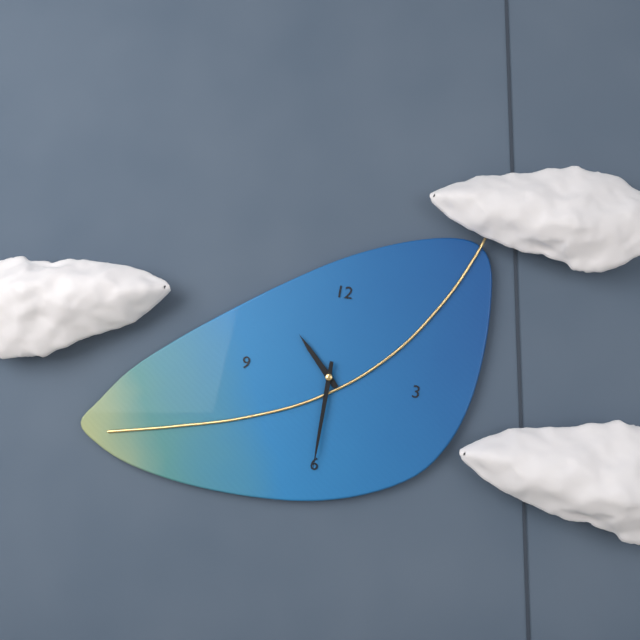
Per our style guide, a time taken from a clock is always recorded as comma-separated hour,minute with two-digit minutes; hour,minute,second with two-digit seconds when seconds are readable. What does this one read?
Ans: 10,30
